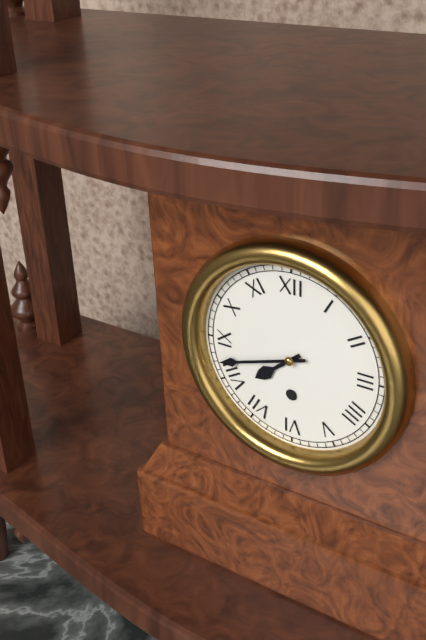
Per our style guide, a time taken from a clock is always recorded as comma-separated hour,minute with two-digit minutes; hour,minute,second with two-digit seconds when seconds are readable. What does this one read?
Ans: 7,42
